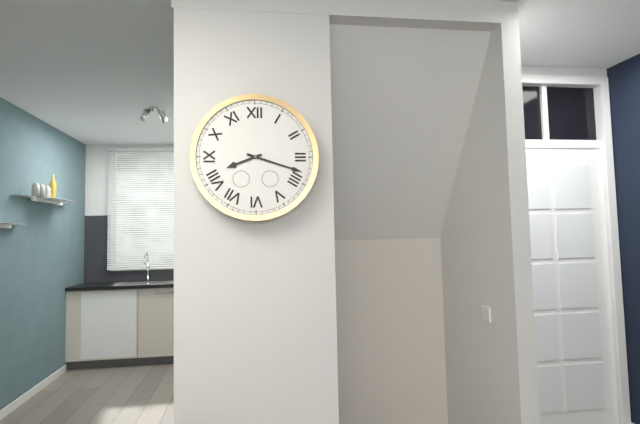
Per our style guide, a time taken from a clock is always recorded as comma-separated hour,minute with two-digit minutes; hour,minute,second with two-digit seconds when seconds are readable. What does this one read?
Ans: 8,18
